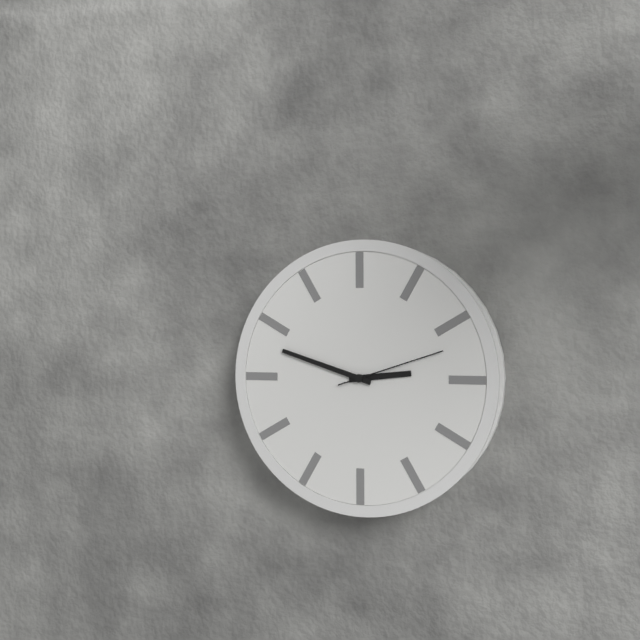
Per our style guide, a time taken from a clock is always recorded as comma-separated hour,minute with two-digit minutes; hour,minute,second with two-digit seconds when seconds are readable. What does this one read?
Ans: 2,48,12
